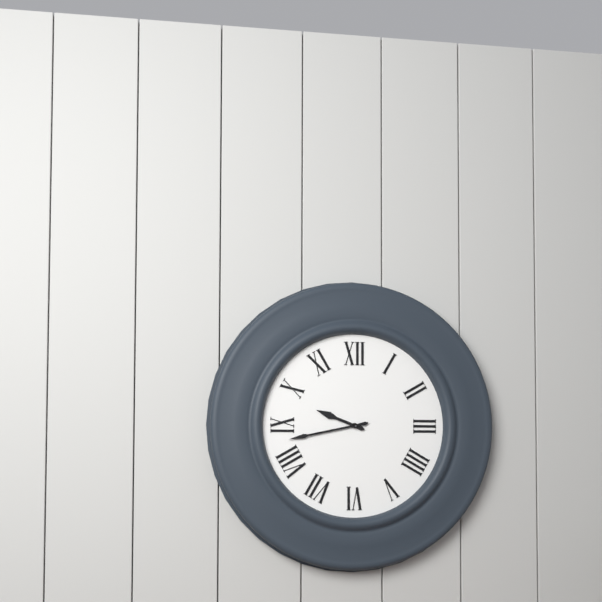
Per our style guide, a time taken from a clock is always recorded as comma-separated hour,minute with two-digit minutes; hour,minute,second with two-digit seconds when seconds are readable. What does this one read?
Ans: 9,43
